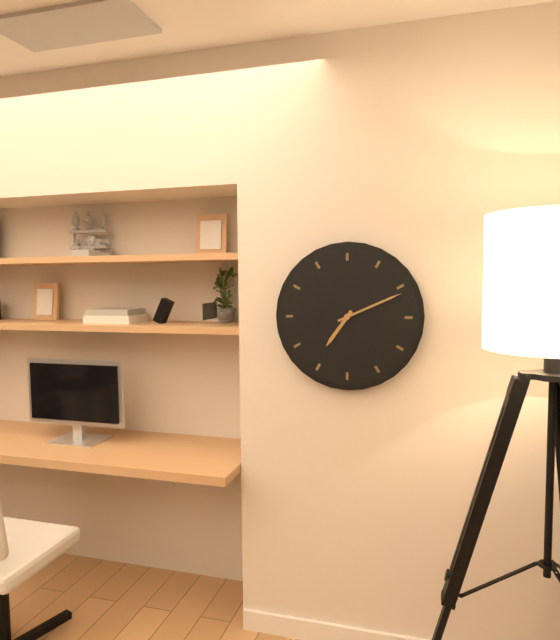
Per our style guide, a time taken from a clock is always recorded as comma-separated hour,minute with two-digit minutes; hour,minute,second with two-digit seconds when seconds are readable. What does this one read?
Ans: 7,11
